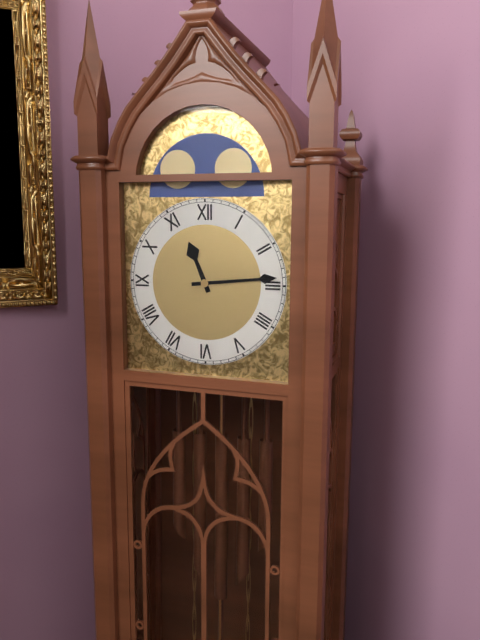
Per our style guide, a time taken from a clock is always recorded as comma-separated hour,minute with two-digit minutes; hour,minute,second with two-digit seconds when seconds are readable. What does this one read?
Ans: 11,14
